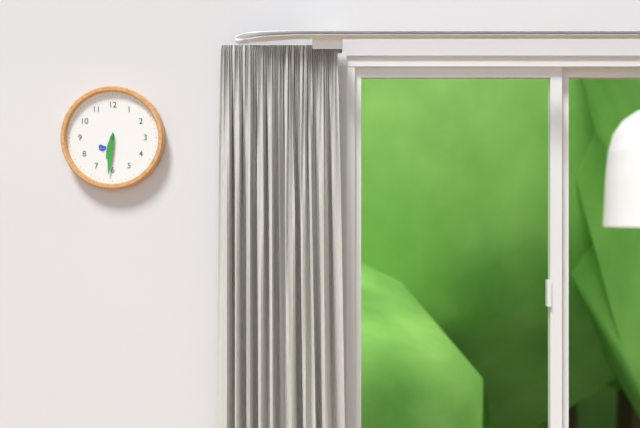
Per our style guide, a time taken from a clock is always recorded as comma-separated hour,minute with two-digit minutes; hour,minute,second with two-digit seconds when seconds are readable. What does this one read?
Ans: 6,31
